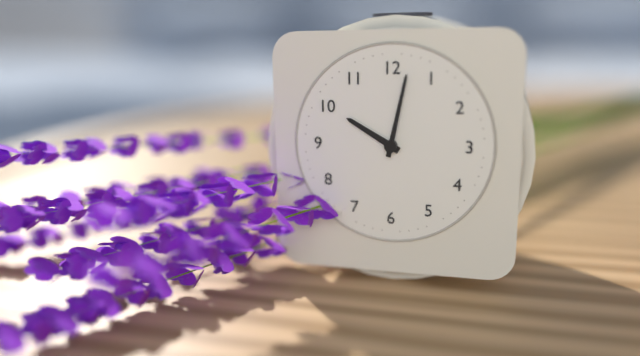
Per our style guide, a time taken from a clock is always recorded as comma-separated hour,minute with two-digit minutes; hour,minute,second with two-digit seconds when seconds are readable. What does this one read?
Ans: 10,02
